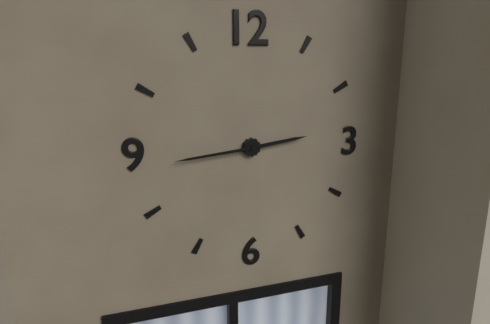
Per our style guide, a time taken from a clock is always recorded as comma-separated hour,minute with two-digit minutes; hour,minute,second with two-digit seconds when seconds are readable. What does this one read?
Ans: 2,44
